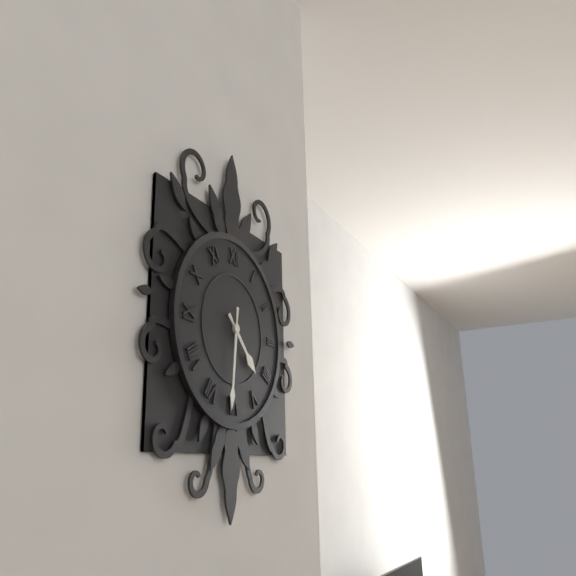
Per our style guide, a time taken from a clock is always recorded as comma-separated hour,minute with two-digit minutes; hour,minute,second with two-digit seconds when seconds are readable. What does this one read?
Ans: 4,31
